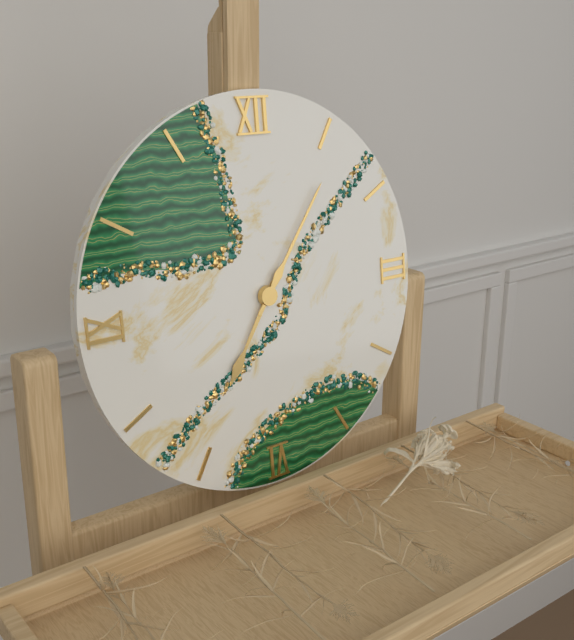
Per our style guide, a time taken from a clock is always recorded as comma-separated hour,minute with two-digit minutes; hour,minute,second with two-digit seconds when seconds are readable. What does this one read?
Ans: 7,06
